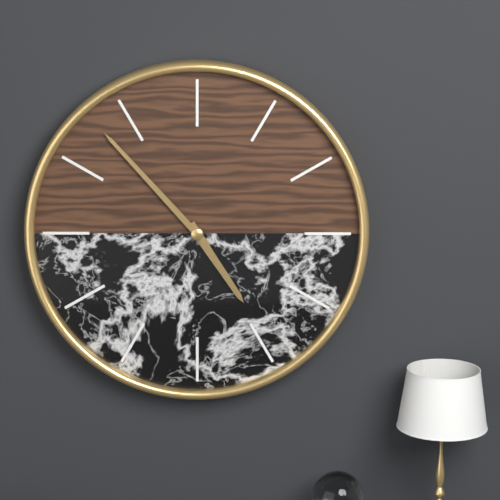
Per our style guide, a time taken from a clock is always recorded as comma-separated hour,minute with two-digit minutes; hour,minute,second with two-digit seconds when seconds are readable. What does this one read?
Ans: 4,53
